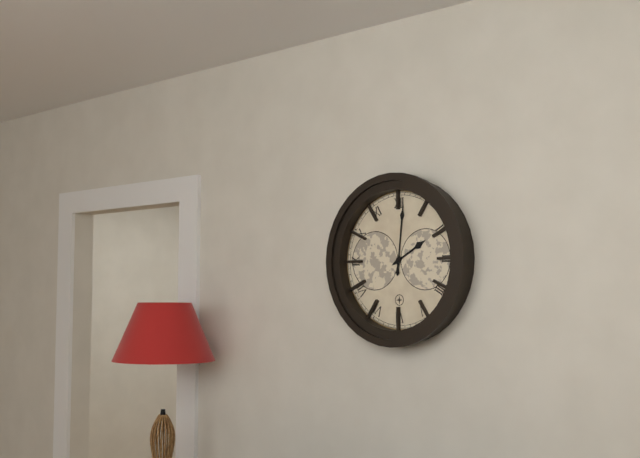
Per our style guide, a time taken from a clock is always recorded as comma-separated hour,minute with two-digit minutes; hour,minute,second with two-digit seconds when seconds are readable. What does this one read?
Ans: 2,01
